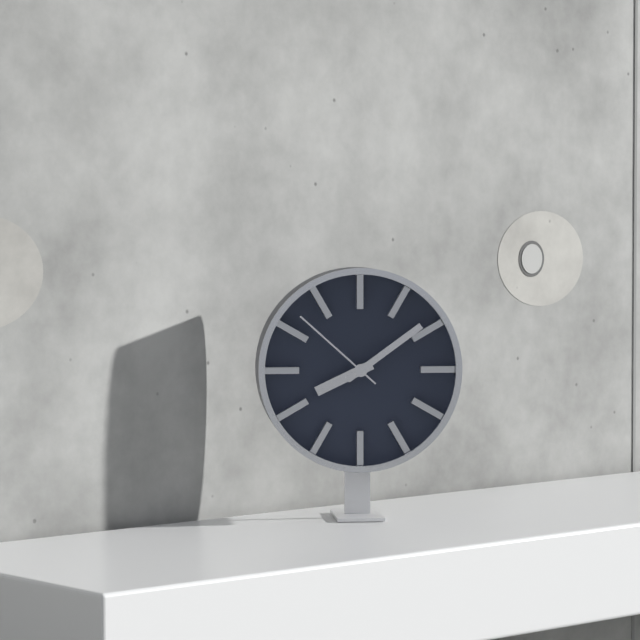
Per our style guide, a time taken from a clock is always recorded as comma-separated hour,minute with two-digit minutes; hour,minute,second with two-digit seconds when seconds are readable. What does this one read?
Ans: 8,09,52
